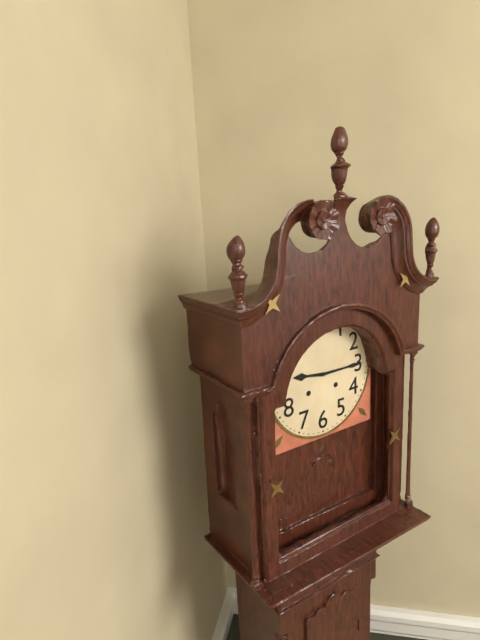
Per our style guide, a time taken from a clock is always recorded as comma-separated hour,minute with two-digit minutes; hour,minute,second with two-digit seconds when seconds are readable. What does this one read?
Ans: 9,15
